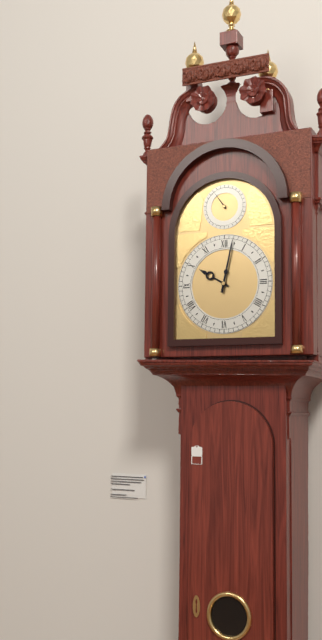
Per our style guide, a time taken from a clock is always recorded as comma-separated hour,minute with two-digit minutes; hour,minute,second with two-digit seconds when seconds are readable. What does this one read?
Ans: 10,02
